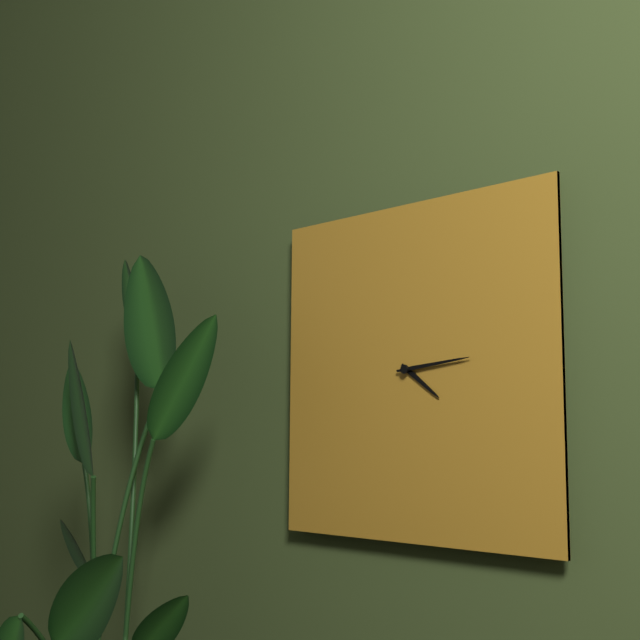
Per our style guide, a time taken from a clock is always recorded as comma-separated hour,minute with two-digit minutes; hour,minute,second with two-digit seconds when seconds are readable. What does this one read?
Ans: 4,14
